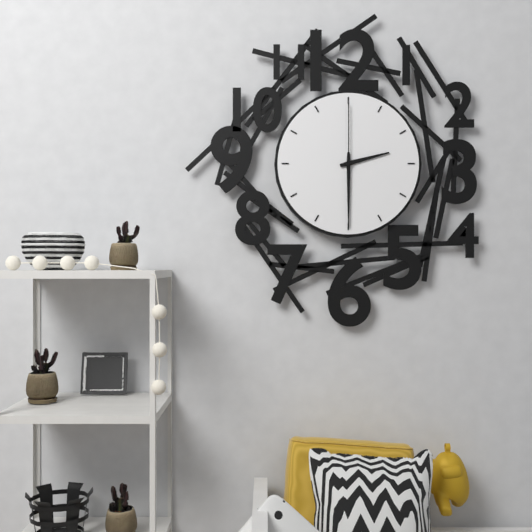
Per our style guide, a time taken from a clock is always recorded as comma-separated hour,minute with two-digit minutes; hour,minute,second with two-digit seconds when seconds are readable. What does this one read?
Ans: 2,30,00
